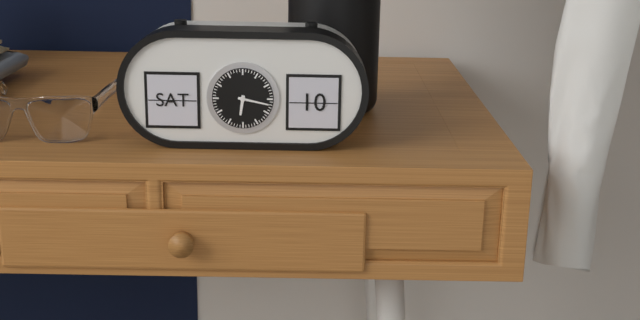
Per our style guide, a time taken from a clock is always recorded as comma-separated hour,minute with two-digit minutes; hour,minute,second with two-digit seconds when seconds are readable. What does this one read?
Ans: 6,17
